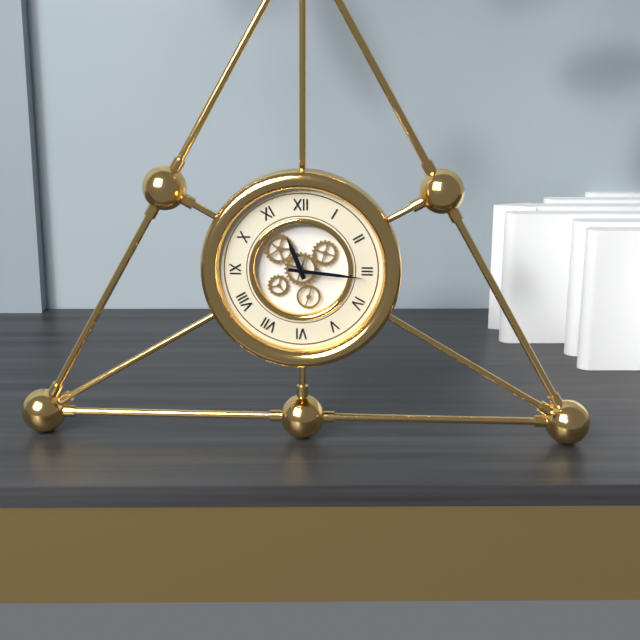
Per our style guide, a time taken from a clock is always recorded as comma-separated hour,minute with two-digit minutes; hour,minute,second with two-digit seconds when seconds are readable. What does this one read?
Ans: 11,16
